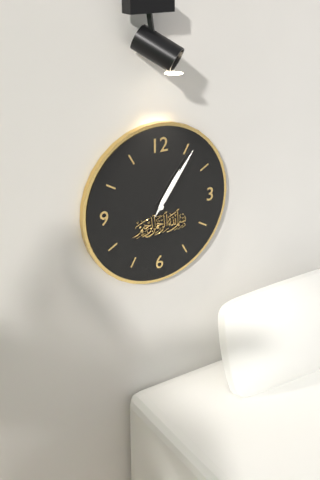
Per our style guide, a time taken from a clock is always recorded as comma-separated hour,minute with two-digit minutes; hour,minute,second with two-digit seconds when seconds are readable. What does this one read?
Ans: 1,06
